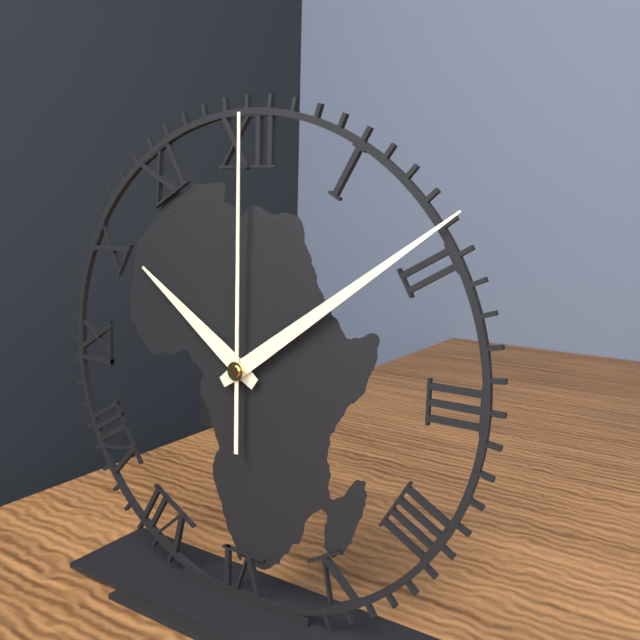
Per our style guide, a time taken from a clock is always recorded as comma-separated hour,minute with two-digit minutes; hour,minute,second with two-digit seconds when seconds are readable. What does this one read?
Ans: 10,09,00
